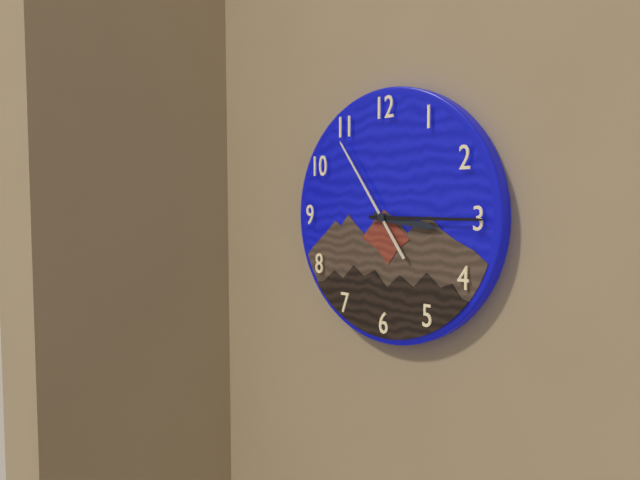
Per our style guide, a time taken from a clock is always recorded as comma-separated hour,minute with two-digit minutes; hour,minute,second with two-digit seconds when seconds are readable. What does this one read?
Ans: 3,15,54
